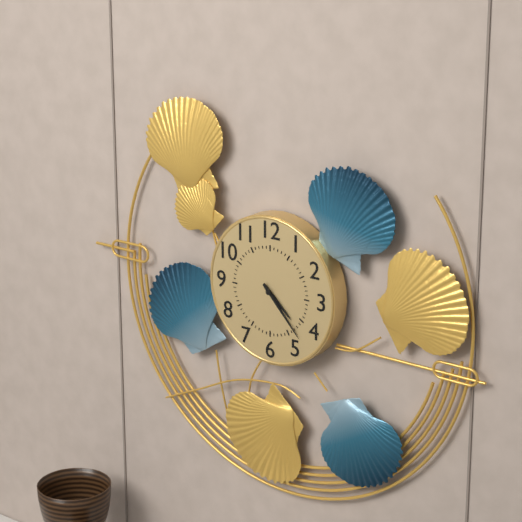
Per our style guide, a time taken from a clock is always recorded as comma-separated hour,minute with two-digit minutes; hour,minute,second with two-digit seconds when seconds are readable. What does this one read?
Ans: 4,23
